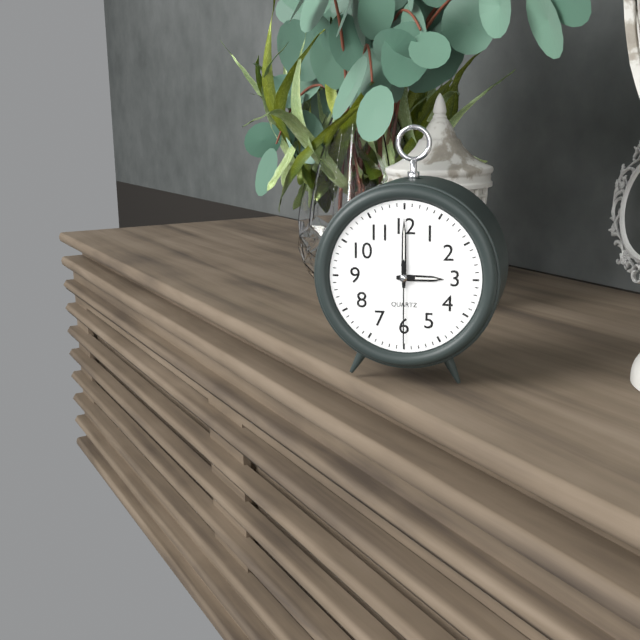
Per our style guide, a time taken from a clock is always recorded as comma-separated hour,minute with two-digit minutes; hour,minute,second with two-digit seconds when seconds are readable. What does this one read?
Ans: 3,00,30
